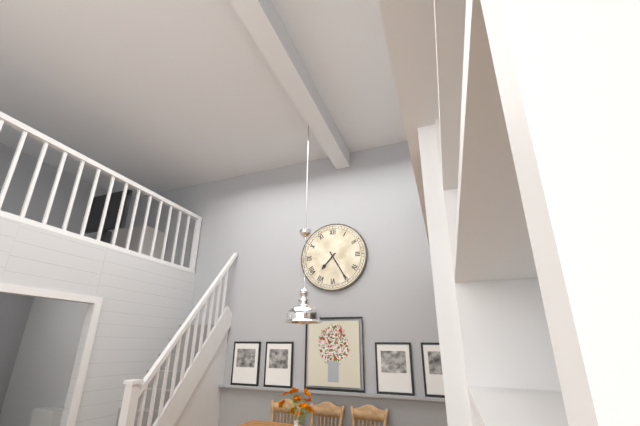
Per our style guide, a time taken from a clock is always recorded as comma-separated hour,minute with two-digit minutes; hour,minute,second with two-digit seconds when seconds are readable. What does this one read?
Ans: 7,25
